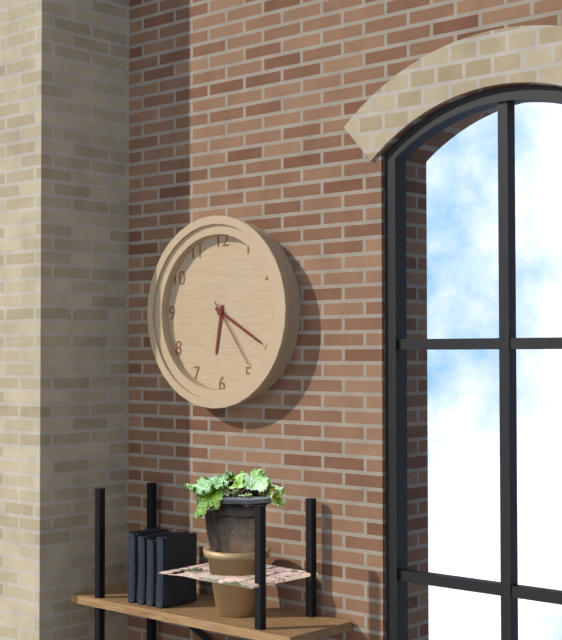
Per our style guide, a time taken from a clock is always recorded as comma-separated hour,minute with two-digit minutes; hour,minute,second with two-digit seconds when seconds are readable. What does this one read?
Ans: 6,20,24
